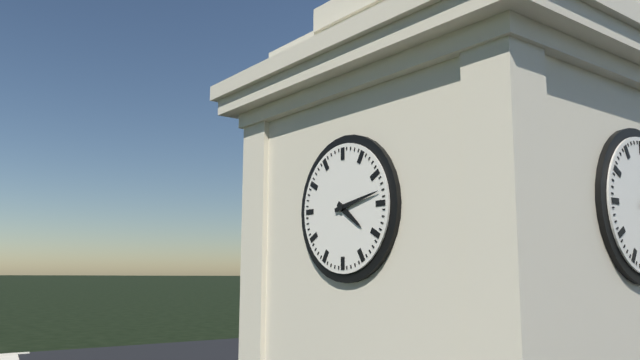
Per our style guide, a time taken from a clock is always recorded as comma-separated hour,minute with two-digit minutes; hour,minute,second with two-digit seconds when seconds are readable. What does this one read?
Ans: 4,13
